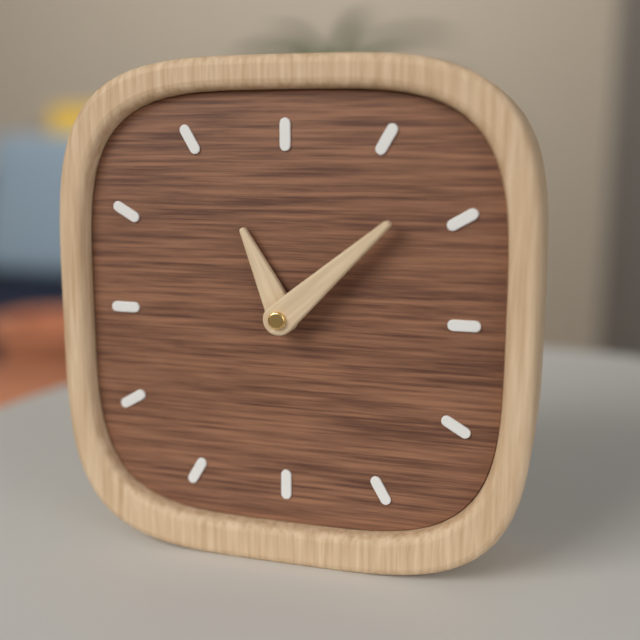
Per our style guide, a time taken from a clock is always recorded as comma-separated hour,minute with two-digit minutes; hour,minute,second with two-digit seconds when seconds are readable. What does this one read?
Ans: 11,08
